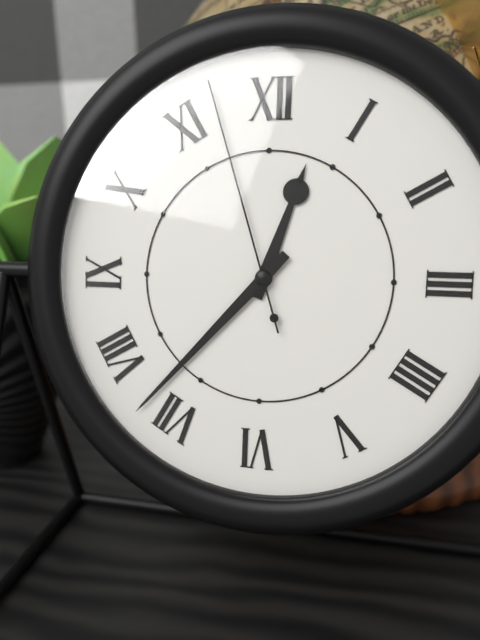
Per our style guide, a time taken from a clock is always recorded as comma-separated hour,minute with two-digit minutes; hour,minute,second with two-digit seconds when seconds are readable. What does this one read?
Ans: 12,37,57
